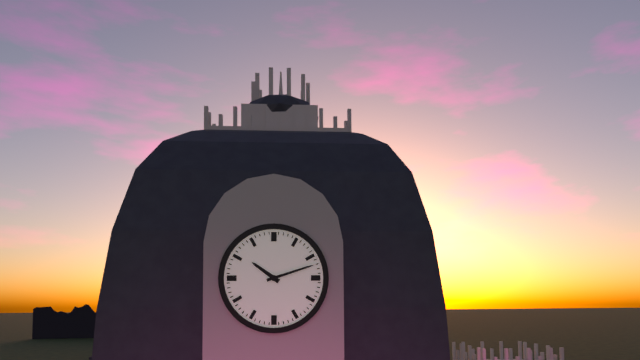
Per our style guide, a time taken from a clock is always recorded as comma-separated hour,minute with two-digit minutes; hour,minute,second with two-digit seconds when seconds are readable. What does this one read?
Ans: 10,12
